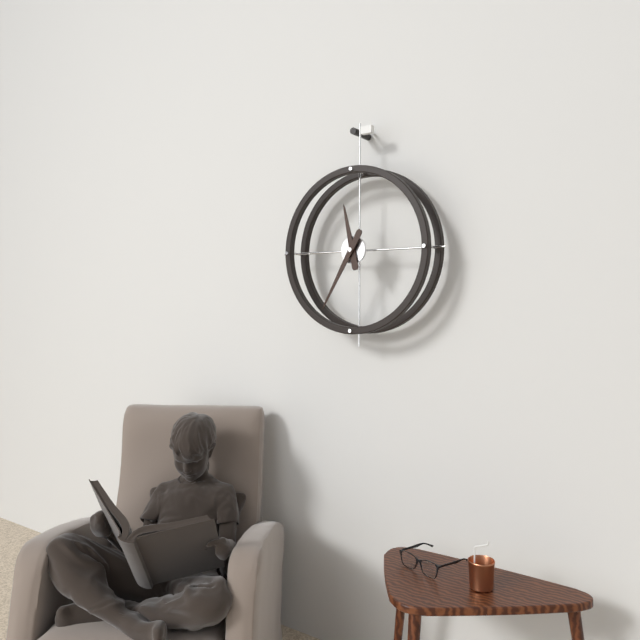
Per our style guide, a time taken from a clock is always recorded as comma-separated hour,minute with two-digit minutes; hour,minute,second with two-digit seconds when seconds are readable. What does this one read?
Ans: 11,35
